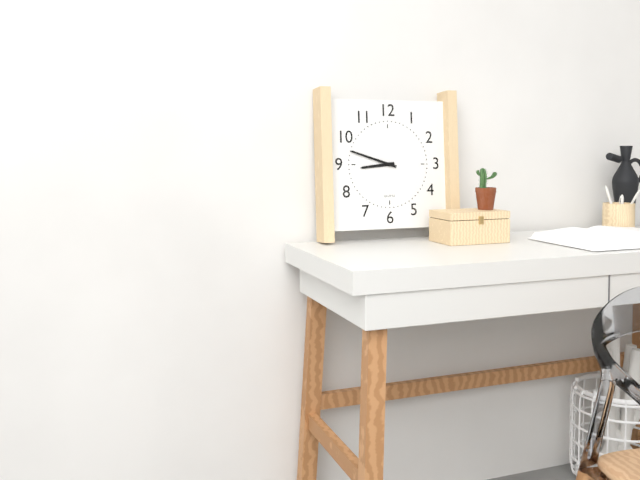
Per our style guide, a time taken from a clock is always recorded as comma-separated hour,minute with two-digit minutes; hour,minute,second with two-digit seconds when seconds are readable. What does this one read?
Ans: 8,48
